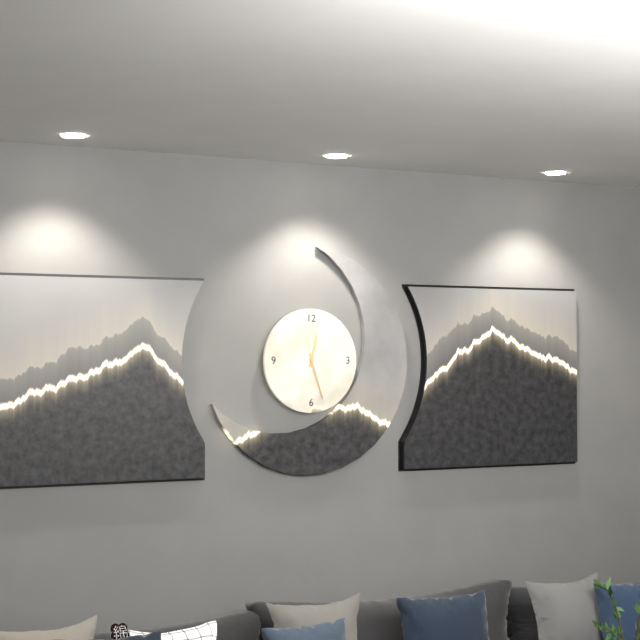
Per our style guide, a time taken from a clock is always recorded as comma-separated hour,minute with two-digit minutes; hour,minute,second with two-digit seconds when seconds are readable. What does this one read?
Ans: 12,27
